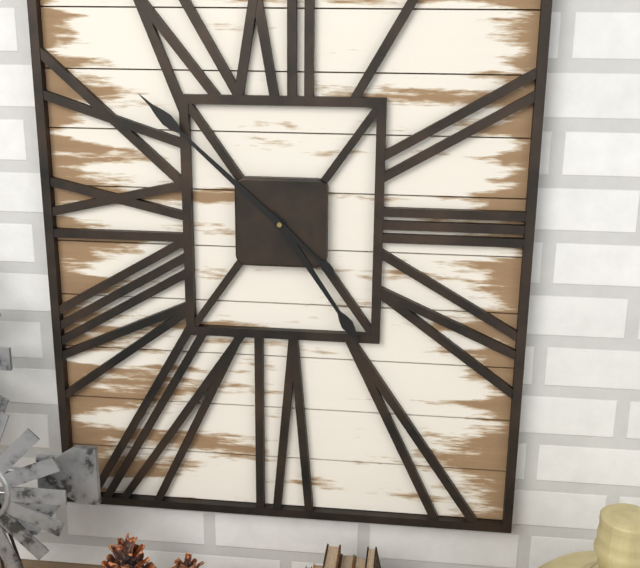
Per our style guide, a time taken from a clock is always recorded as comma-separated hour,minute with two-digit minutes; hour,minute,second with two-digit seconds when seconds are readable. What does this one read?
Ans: 4,52
